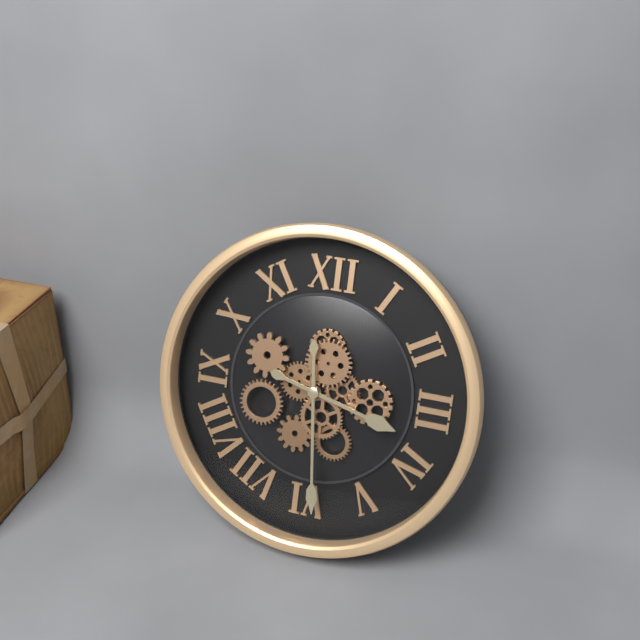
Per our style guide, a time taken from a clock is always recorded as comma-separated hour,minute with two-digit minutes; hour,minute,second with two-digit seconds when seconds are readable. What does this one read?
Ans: 3,29
